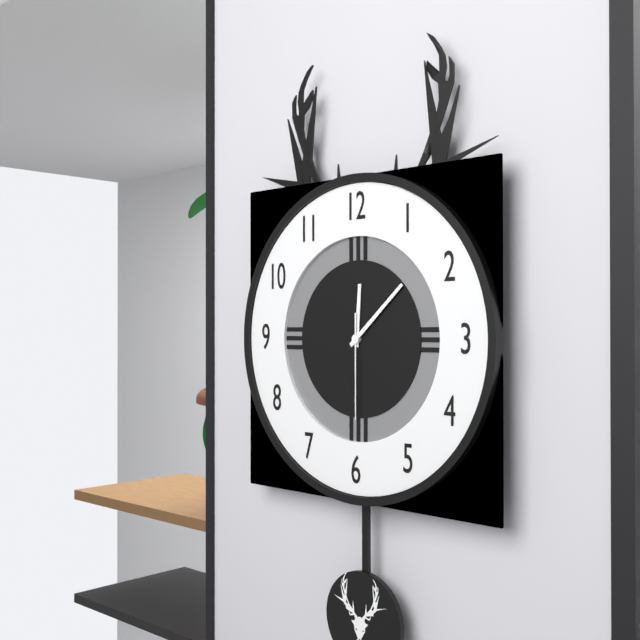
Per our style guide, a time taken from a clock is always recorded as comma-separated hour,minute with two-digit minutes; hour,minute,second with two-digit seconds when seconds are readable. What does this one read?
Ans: 12,08,30
